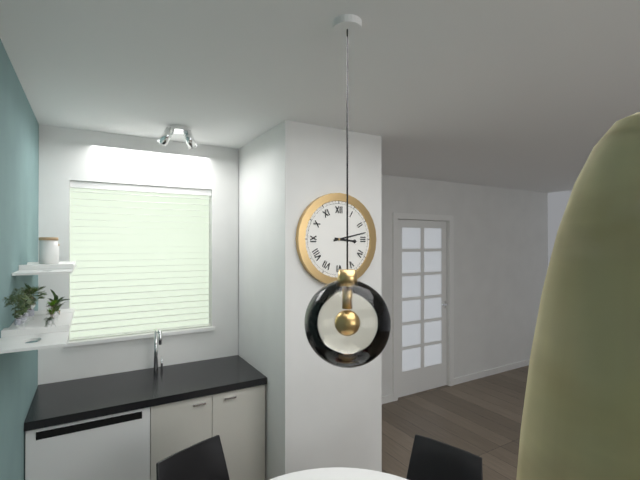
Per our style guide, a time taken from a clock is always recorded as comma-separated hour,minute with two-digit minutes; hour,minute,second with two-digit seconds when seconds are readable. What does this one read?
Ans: 3,13
